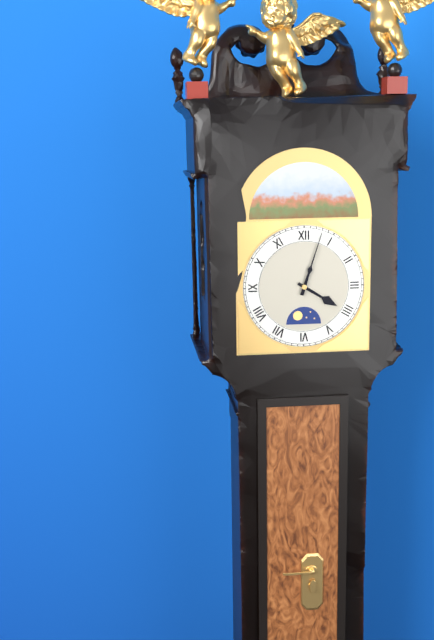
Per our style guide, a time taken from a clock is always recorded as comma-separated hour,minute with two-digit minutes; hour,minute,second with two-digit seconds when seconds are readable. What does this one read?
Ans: 4,03
